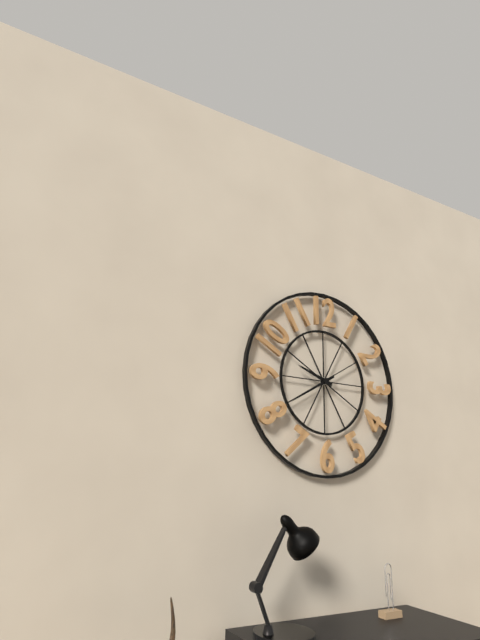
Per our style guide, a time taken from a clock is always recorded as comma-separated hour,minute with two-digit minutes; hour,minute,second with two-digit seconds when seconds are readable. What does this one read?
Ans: 9,40
